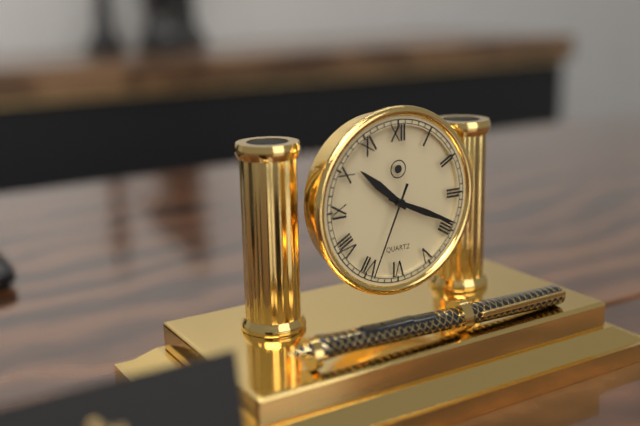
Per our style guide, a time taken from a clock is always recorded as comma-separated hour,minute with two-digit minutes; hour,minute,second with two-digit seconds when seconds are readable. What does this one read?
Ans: 10,19,34
